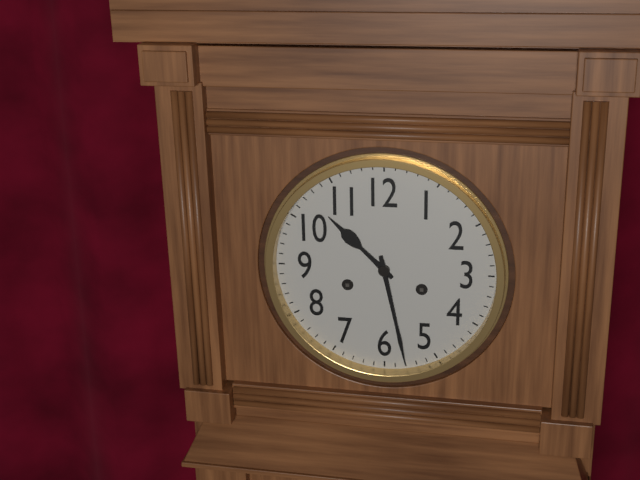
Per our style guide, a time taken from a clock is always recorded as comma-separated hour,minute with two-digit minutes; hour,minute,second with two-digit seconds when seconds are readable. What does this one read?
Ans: 10,28
